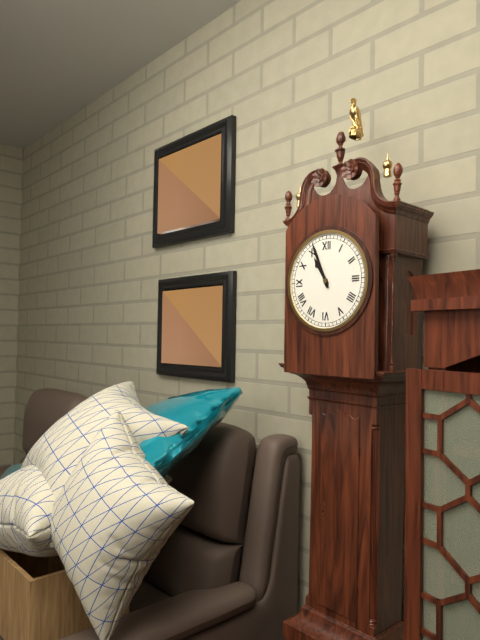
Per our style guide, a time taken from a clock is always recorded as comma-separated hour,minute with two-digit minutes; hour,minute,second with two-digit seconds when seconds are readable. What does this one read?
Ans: 10,56
